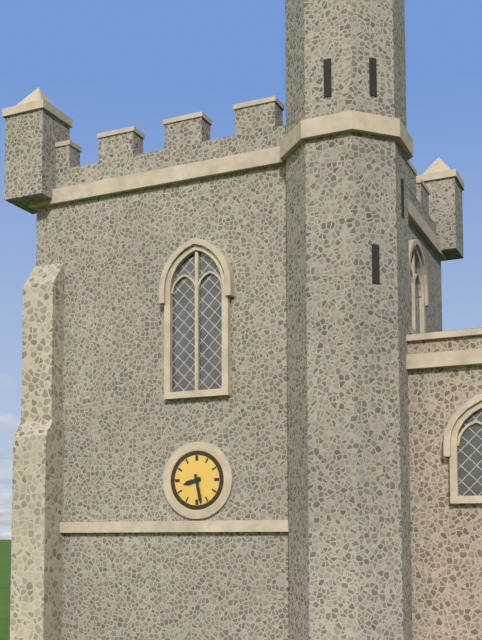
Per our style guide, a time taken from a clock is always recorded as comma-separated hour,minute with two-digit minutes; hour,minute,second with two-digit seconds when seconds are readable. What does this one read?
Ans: 8,28
